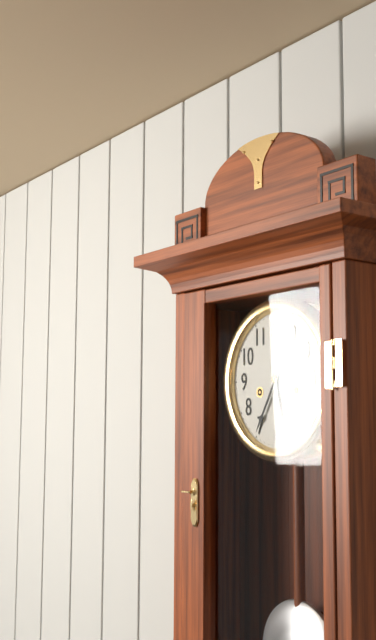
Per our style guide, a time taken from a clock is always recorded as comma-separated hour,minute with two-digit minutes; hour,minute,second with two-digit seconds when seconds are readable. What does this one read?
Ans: 5,35
